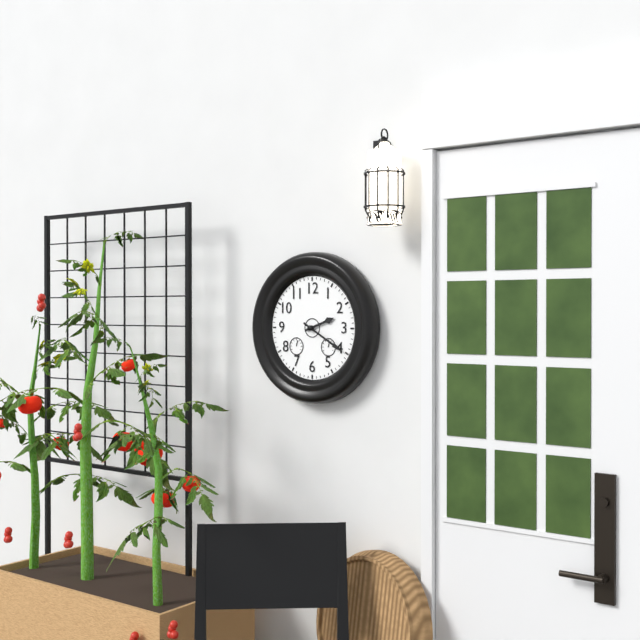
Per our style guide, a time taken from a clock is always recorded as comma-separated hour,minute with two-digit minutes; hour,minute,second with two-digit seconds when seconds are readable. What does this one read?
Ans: 2,20
